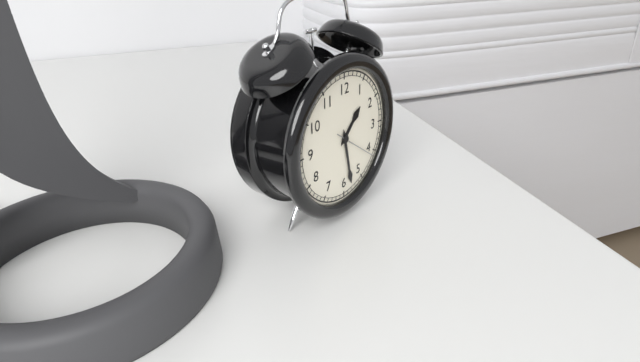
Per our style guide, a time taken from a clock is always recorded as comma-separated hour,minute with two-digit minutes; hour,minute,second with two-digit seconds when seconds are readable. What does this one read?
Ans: 1,28
